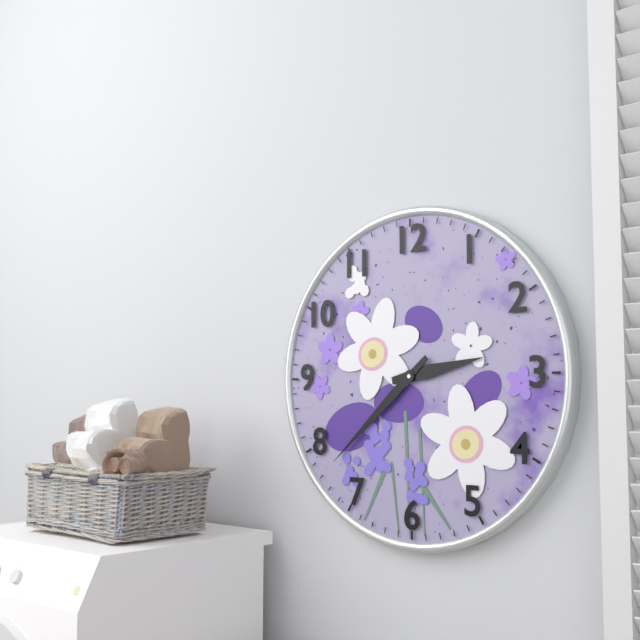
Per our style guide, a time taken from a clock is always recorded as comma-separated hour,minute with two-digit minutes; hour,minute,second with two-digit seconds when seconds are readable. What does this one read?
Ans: 2,38
